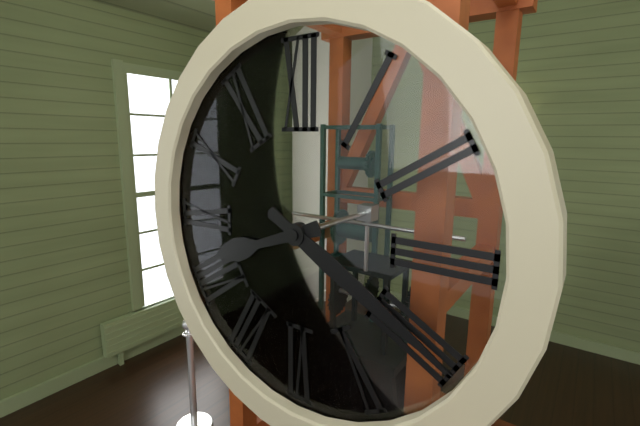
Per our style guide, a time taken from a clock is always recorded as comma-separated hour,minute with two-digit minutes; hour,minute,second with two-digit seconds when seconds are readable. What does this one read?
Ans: 8,20
